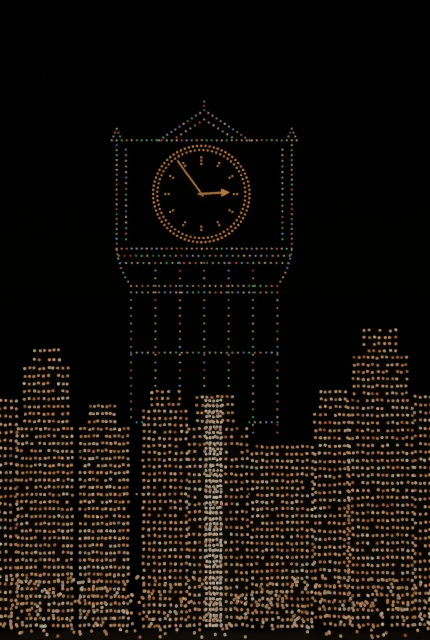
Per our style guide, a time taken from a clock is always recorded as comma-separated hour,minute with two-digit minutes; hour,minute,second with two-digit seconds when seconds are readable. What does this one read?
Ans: 2,54
